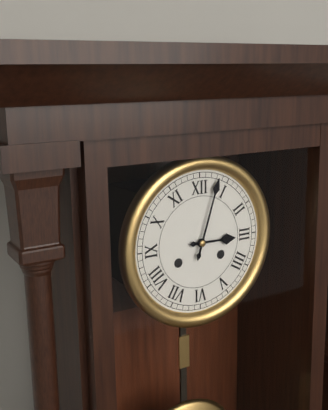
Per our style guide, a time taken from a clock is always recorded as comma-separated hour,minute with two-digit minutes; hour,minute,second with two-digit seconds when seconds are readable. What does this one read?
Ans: 3,03
